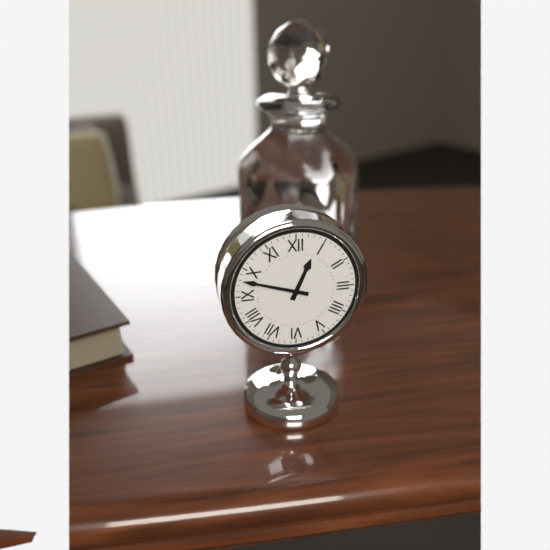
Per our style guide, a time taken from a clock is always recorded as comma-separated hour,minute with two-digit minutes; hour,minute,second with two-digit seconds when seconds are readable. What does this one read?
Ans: 12,48
